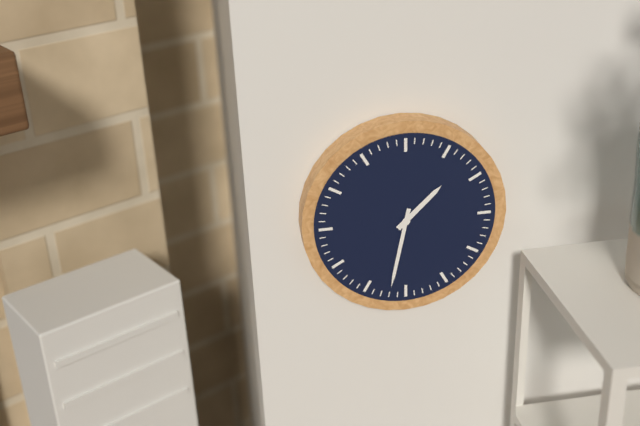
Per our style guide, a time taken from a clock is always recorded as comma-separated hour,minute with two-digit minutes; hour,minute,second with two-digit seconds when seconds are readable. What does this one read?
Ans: 1,32
